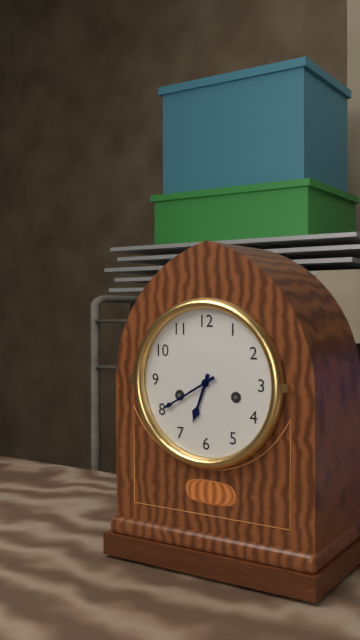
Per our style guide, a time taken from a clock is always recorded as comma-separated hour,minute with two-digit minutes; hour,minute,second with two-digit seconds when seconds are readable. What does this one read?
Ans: 6,40
